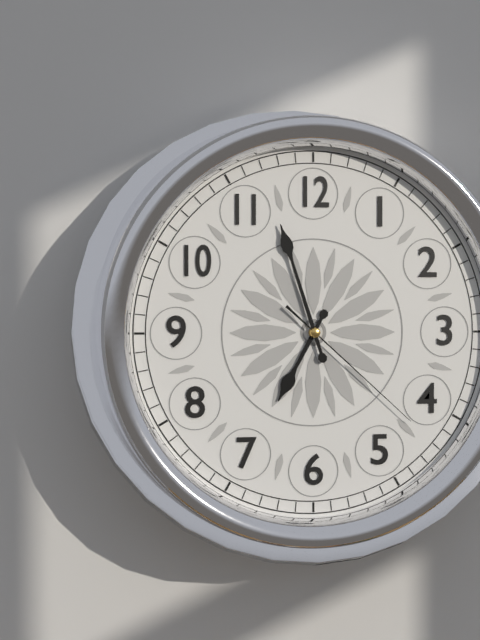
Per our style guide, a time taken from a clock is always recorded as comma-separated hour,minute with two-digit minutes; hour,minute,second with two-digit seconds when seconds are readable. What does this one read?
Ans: 6,57,22
